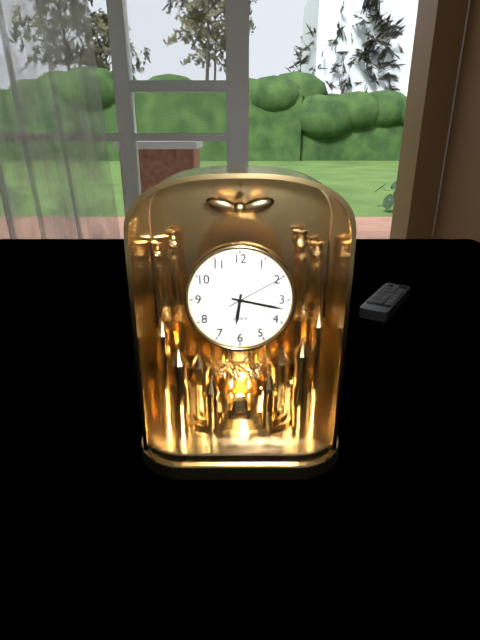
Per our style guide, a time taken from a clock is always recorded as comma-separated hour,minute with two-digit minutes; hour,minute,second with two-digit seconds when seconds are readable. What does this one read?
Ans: 6,17,10
